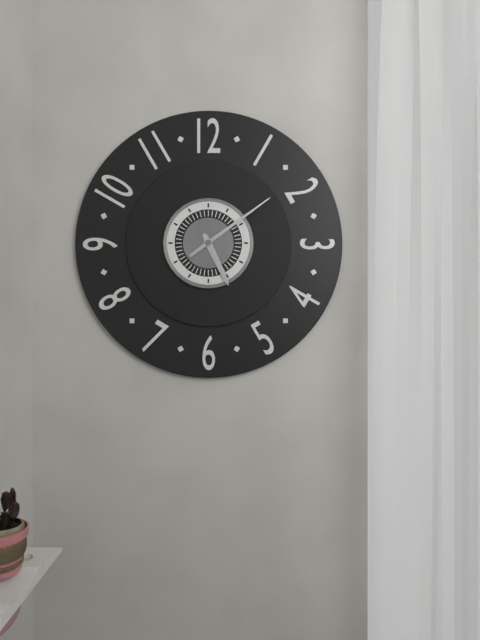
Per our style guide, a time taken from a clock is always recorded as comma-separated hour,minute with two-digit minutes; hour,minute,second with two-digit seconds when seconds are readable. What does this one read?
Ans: 5,09
